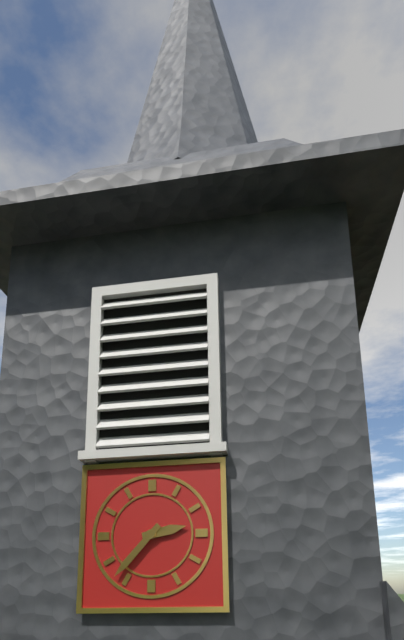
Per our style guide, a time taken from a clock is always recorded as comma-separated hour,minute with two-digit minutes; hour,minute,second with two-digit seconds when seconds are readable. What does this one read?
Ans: 2,37
